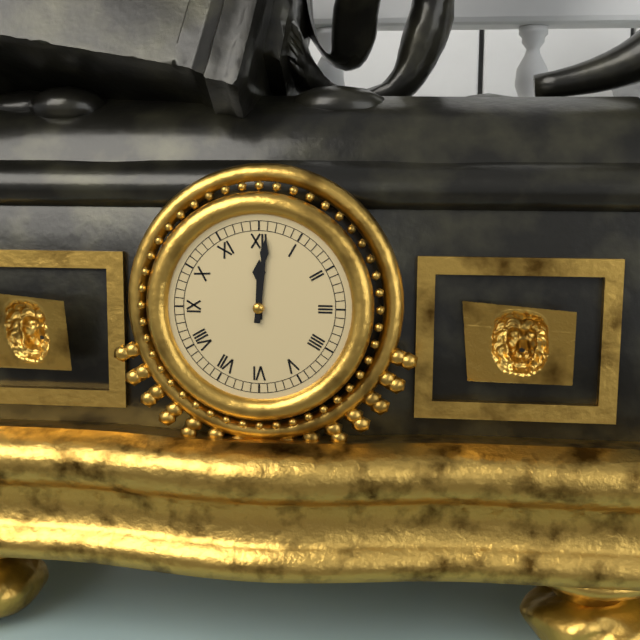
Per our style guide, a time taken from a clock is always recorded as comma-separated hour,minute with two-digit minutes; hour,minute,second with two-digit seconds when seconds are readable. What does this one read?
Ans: 12,01
